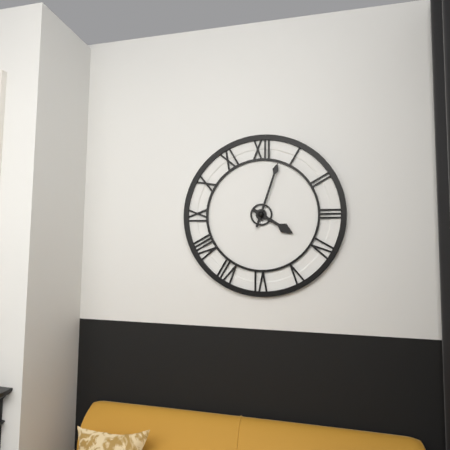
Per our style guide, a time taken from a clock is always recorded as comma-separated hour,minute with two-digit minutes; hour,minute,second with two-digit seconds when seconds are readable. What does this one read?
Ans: 4,03
